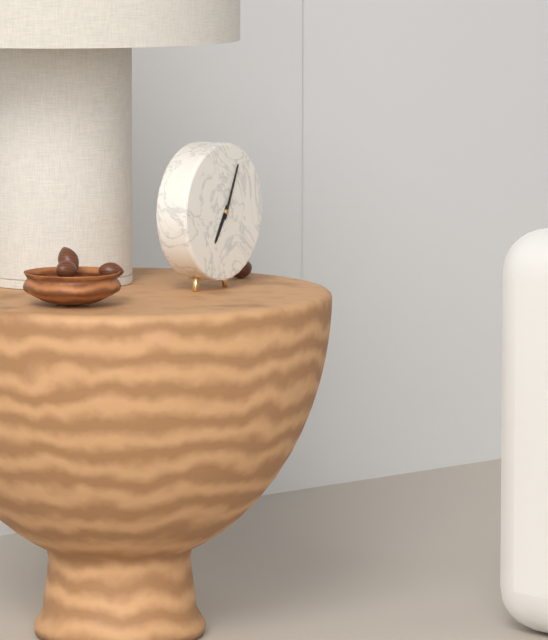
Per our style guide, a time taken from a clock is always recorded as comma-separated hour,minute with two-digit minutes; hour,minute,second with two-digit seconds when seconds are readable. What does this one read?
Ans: 7,04
